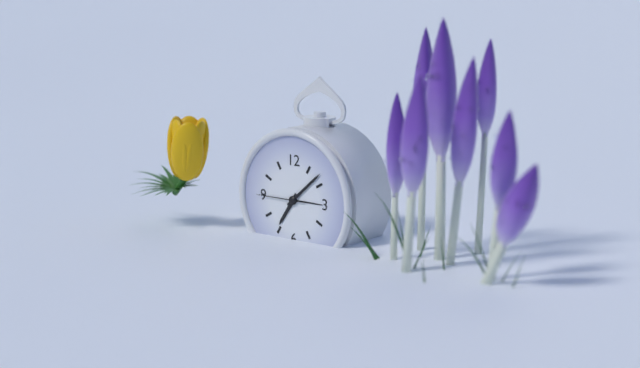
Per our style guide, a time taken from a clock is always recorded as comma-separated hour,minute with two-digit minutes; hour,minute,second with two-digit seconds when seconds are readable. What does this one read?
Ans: 7,08
